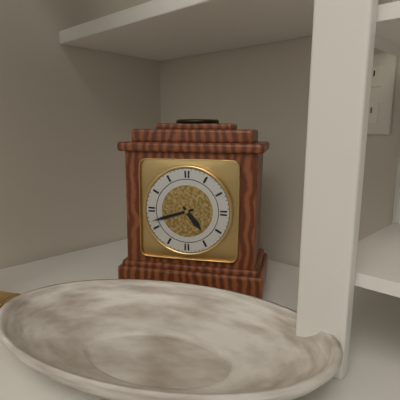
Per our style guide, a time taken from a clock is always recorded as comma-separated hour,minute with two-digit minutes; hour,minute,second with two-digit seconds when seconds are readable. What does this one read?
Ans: 4,42
